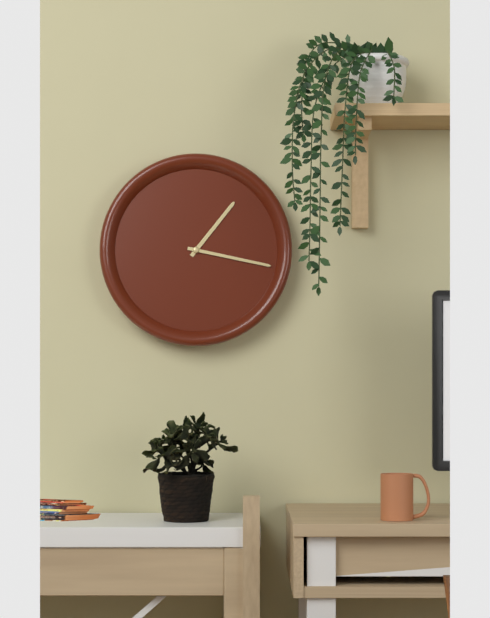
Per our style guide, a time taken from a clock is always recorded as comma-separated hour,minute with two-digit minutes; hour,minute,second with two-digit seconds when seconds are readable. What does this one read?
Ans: 1,17
